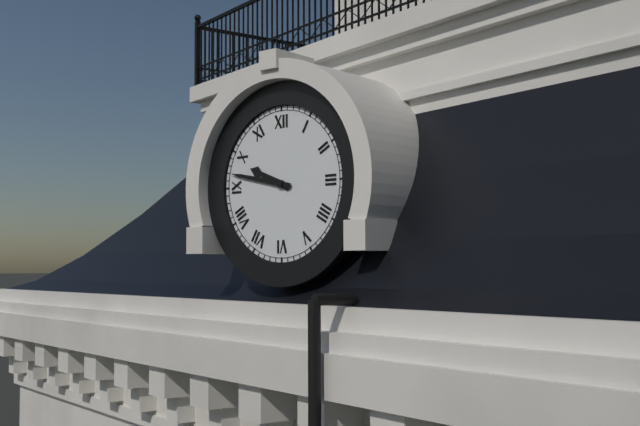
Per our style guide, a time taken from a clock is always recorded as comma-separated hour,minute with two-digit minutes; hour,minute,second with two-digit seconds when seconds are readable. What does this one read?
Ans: 9,47
